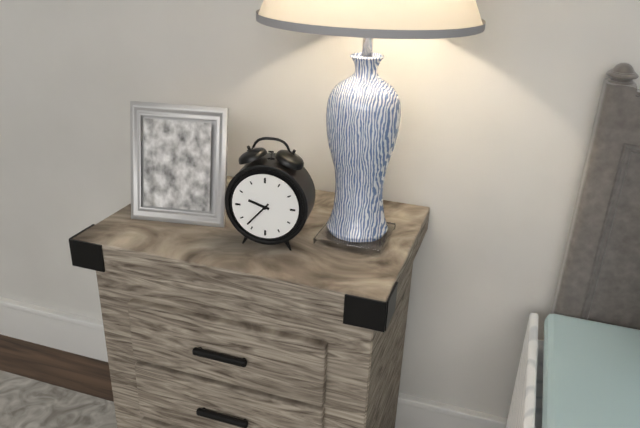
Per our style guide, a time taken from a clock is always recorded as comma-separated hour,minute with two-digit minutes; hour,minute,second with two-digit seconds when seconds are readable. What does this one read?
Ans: 9,37
